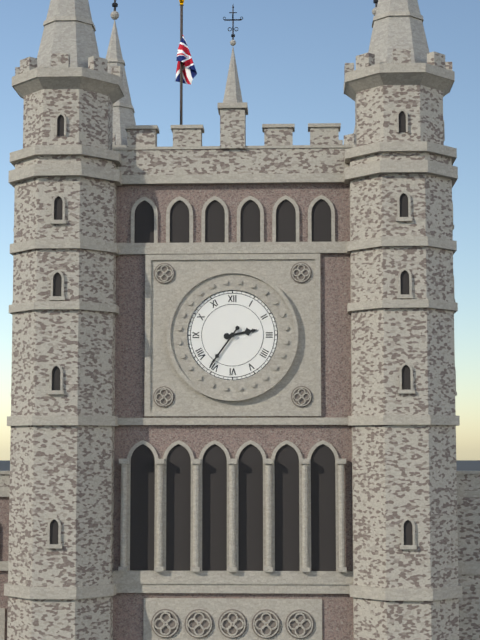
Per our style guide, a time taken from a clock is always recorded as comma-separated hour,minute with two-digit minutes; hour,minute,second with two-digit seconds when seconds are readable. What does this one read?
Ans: 2,36
